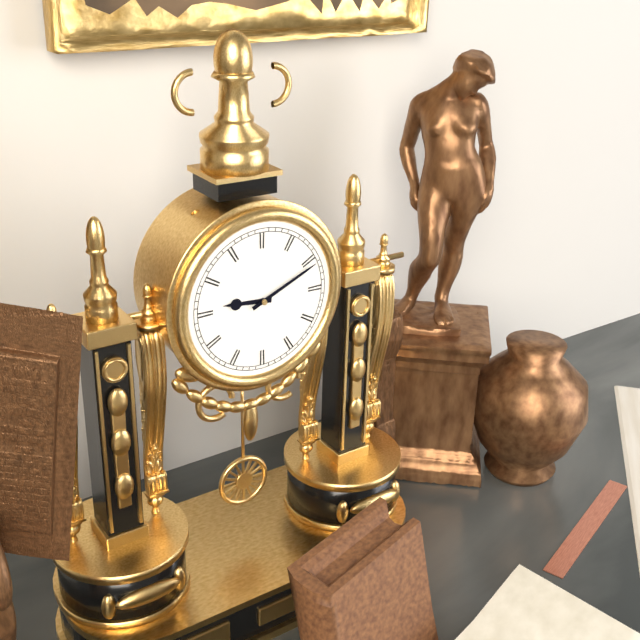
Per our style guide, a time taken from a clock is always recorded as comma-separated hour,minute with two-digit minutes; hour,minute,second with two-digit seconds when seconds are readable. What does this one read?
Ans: 9,11
